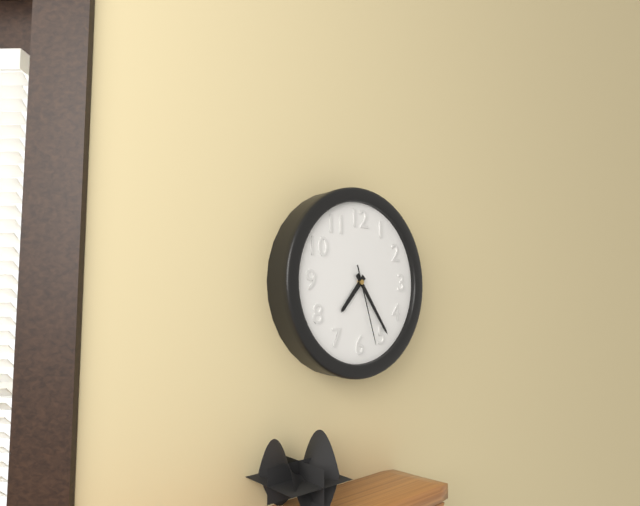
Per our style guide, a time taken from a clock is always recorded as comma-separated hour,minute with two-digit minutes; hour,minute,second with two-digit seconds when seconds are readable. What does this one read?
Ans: 7,24,27
